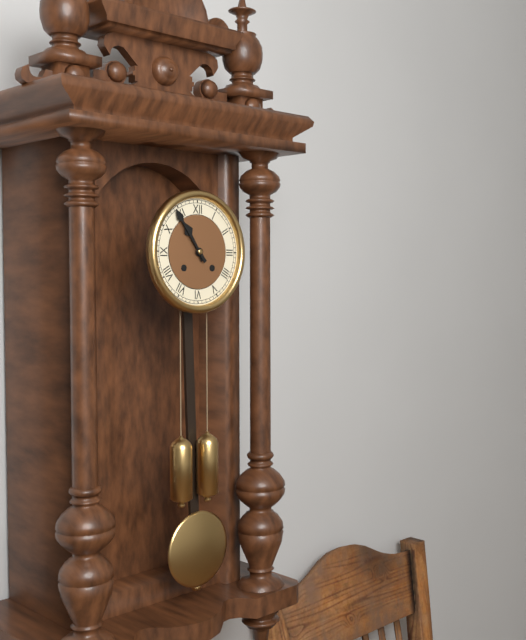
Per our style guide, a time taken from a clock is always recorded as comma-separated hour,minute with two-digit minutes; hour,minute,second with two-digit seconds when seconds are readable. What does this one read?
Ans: 10,54
